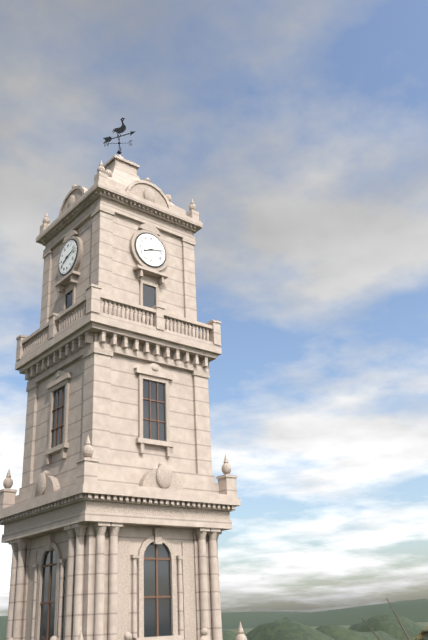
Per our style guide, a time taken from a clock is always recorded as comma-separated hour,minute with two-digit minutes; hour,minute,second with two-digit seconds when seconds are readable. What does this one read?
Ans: 8,13
